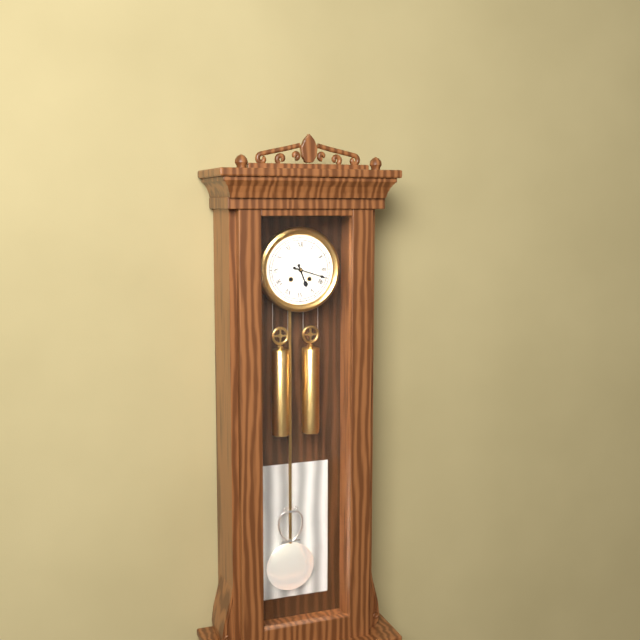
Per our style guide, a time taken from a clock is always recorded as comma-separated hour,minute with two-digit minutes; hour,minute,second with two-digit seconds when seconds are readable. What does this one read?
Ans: 5,18
